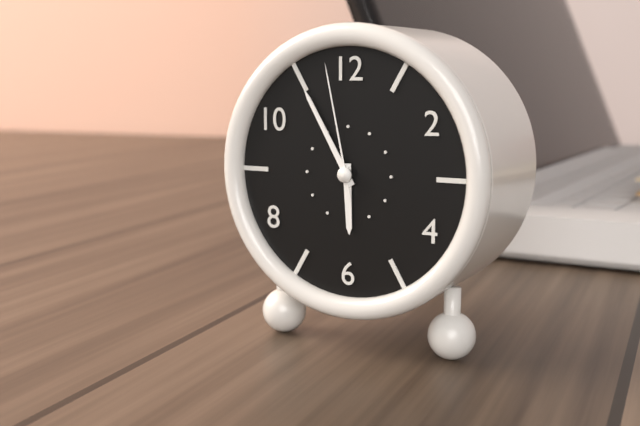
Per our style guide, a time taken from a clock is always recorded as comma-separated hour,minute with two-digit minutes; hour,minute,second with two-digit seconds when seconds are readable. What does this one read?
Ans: 5,55,58
